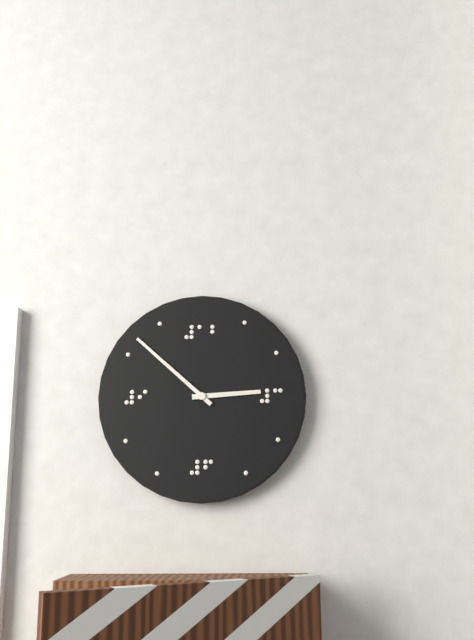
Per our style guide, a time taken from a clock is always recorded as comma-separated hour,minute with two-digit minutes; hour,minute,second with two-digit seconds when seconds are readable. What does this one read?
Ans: 2,52
